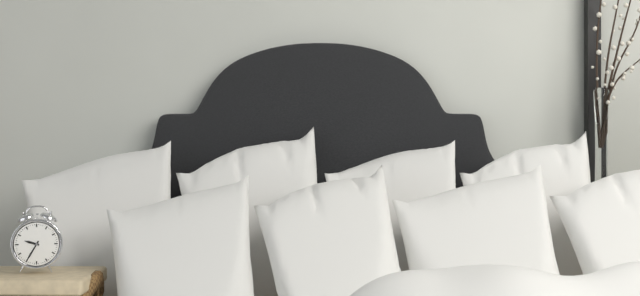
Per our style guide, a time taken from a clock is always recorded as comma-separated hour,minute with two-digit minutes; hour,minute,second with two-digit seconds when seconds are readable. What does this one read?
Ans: 9,35
